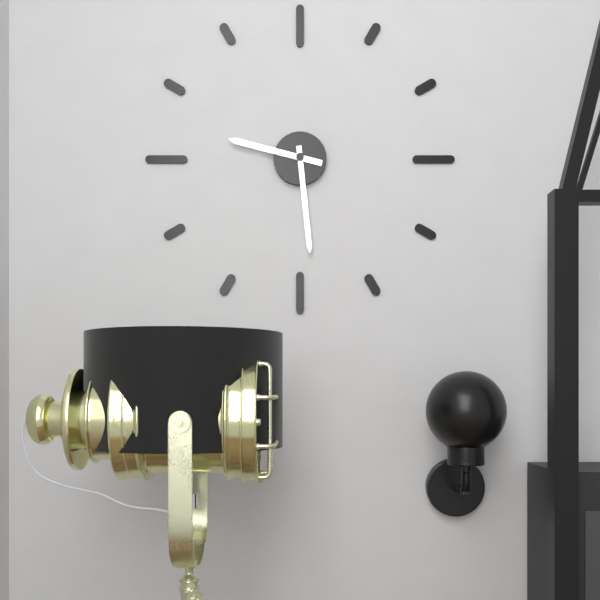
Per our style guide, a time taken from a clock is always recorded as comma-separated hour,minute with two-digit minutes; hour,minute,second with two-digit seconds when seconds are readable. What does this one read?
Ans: 9,29
